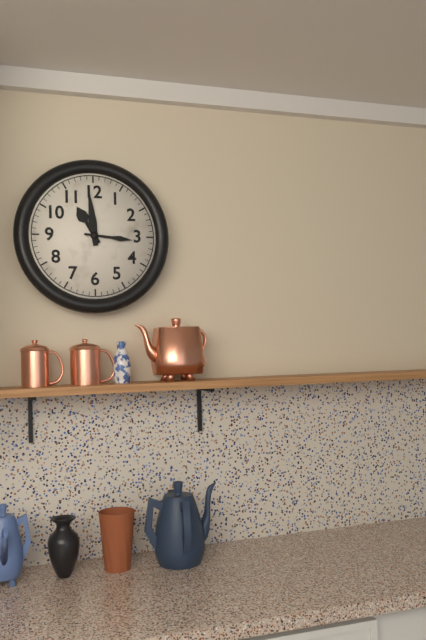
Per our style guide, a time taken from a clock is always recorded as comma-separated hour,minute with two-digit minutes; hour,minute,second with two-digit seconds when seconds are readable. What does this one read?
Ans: 10,59
